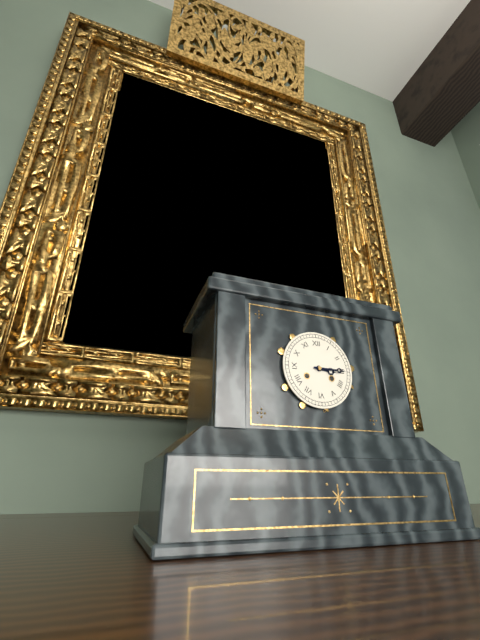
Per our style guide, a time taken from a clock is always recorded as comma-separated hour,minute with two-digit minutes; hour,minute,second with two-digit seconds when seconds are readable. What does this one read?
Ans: 3,15
